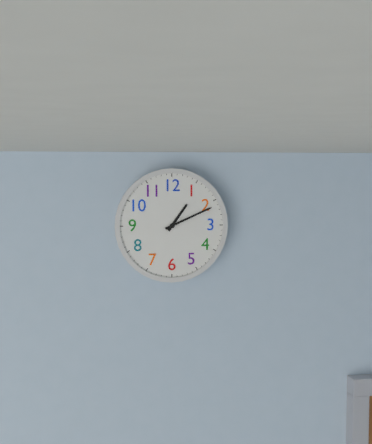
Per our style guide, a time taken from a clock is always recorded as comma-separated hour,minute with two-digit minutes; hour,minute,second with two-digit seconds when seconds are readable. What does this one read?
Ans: 1,11
